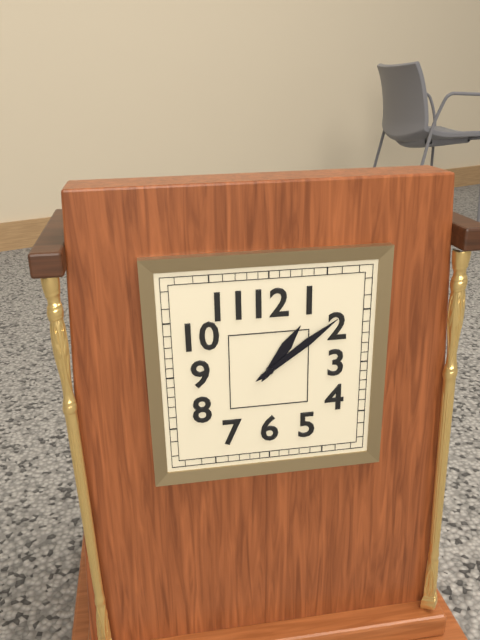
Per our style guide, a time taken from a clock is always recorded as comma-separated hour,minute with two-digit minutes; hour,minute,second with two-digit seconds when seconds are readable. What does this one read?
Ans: 1,09
